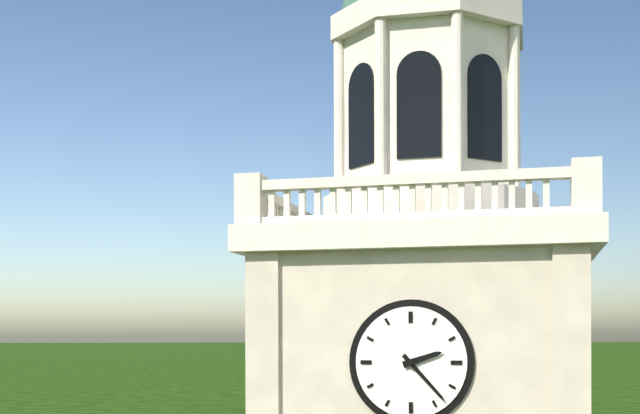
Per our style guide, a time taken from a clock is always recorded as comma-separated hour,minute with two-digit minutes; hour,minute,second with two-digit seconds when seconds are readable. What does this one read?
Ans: 2,23
